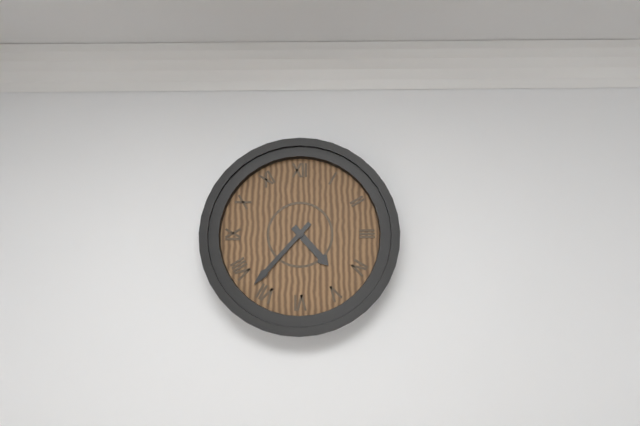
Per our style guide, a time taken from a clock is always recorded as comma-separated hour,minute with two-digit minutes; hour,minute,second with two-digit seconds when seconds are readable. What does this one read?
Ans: 4,37
